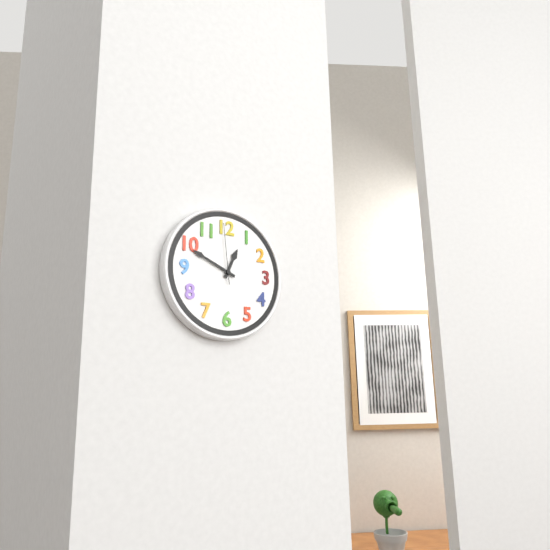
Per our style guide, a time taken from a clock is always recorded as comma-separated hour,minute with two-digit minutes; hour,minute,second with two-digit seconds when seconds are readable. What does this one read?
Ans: 12,49,59
